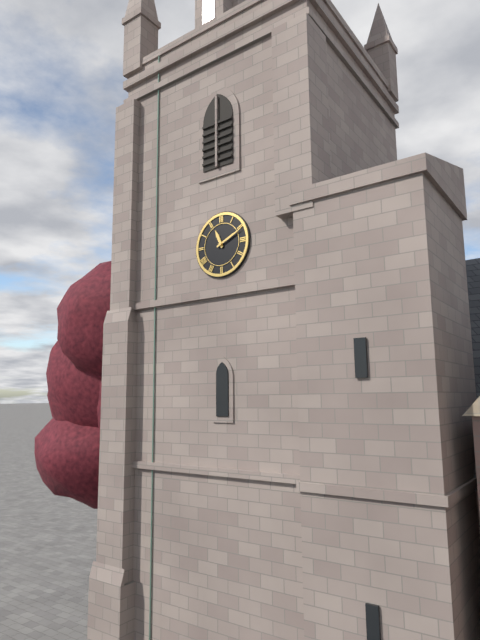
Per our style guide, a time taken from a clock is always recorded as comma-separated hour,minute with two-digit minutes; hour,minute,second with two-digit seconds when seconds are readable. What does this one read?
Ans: 11,11
